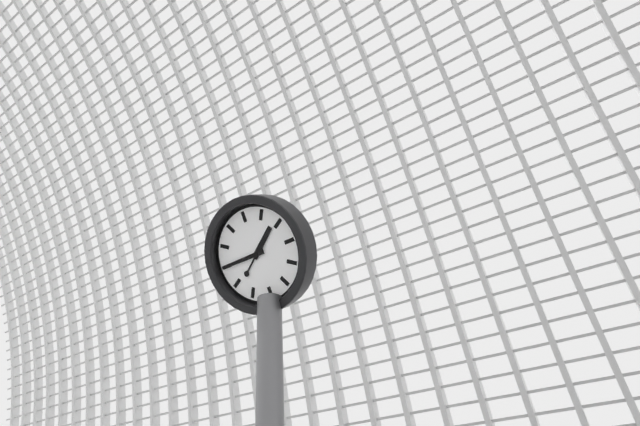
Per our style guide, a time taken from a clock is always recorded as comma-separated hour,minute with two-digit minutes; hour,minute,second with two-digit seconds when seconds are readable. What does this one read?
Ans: 1,45
